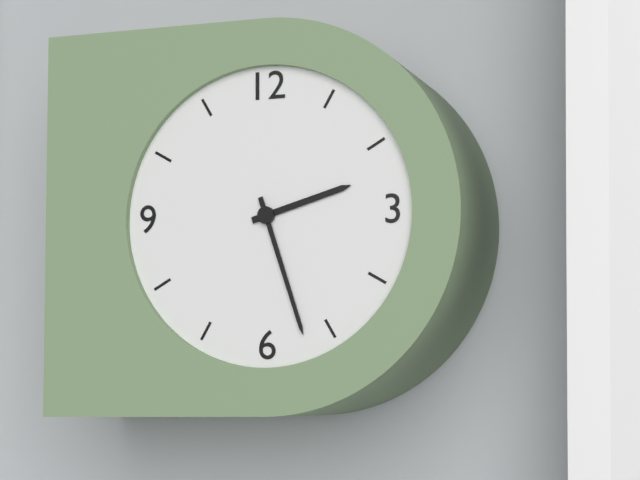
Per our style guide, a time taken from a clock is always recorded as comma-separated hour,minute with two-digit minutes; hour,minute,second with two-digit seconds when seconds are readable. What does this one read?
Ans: 2,27
